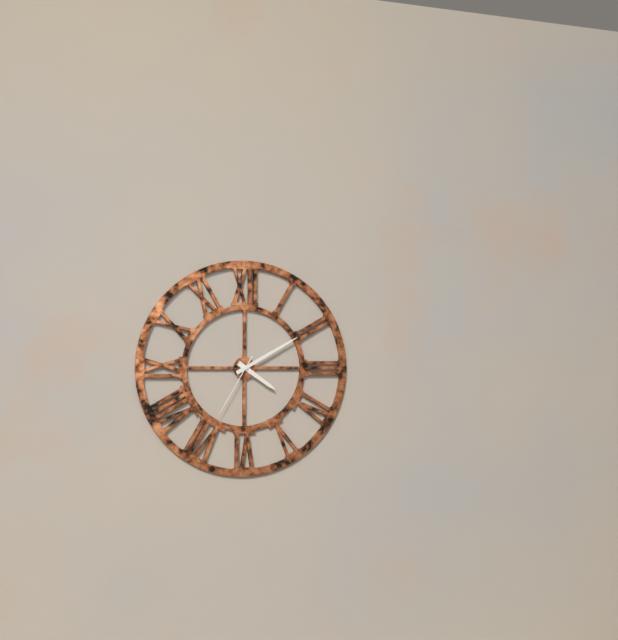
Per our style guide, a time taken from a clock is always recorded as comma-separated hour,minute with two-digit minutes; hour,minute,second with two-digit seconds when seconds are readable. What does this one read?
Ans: 4,10,35
